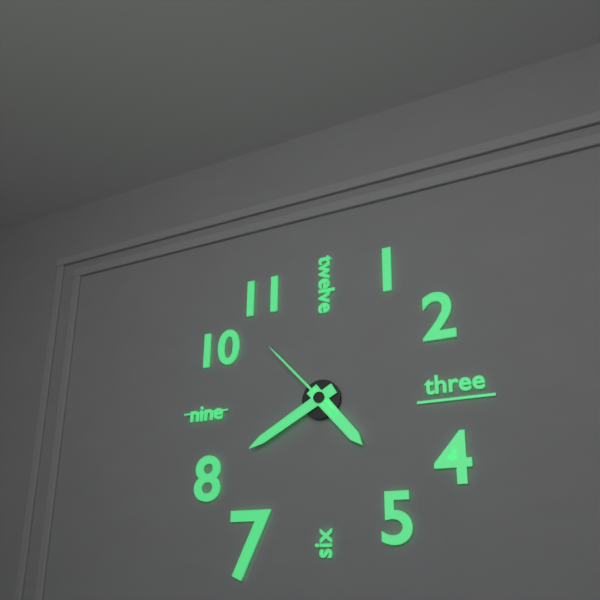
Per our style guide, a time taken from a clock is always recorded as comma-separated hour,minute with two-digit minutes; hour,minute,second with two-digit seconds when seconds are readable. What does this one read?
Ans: 4,40,53
